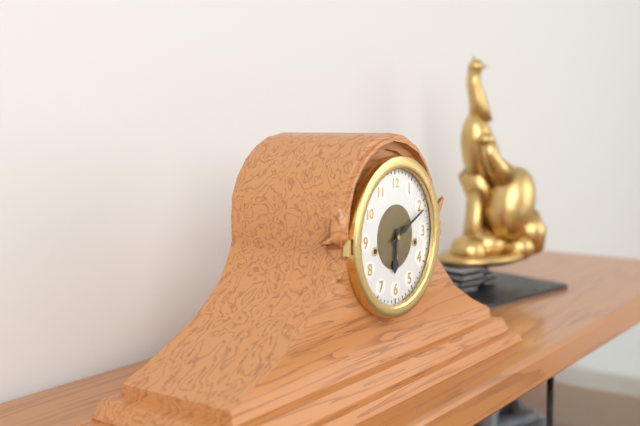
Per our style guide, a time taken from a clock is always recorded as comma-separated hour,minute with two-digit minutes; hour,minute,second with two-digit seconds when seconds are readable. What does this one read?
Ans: 6,11
